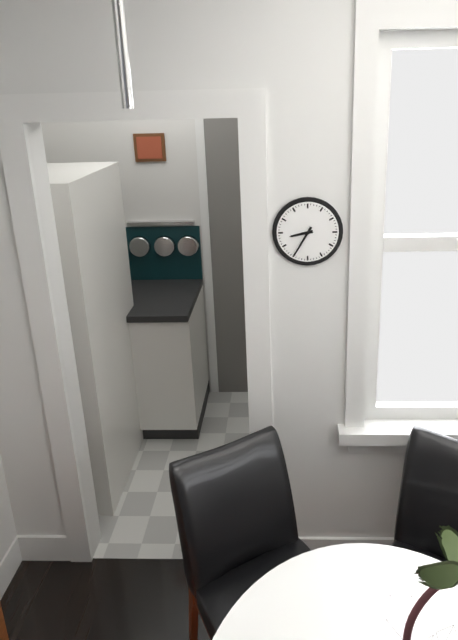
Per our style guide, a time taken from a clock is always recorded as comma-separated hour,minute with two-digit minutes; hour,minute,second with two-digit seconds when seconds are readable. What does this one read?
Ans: 8,35
